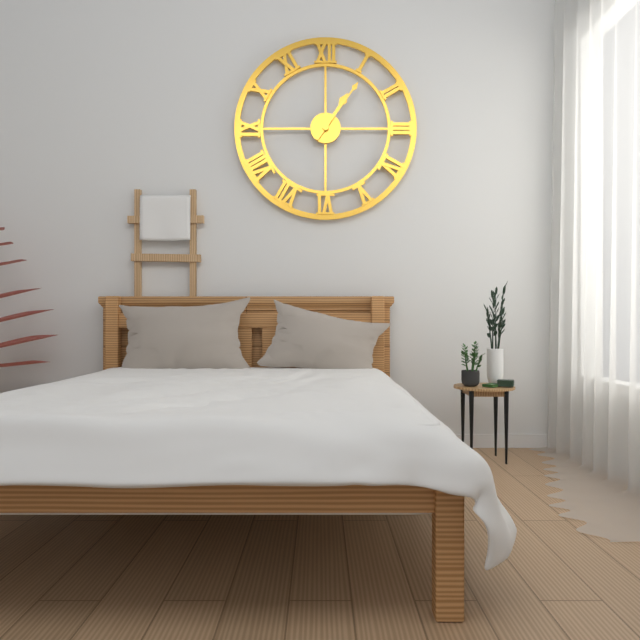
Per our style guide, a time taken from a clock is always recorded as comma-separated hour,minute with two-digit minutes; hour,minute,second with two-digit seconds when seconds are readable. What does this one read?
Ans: 1,06
